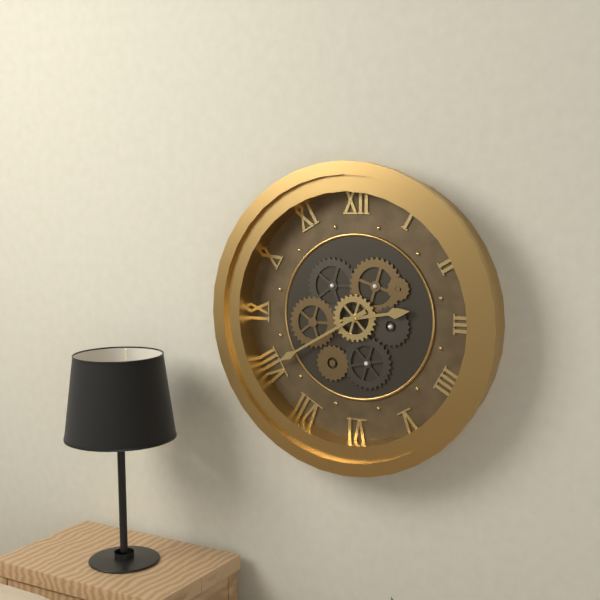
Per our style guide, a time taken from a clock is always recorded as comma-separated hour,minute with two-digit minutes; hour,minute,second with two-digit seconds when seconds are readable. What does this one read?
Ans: 2,40
